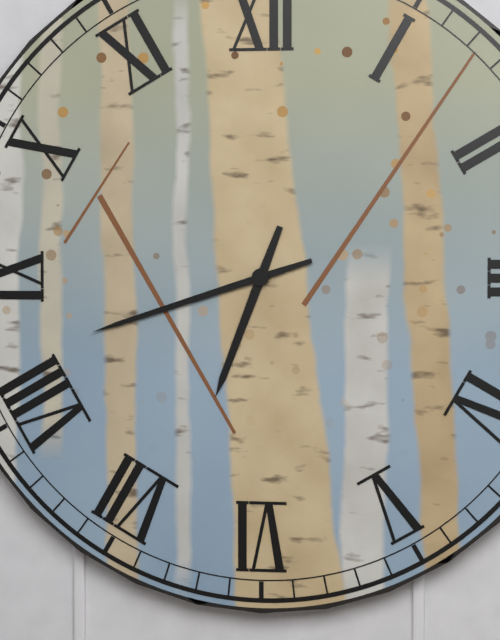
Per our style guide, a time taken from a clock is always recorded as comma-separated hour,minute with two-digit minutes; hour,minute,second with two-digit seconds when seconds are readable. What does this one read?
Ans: 6,42
